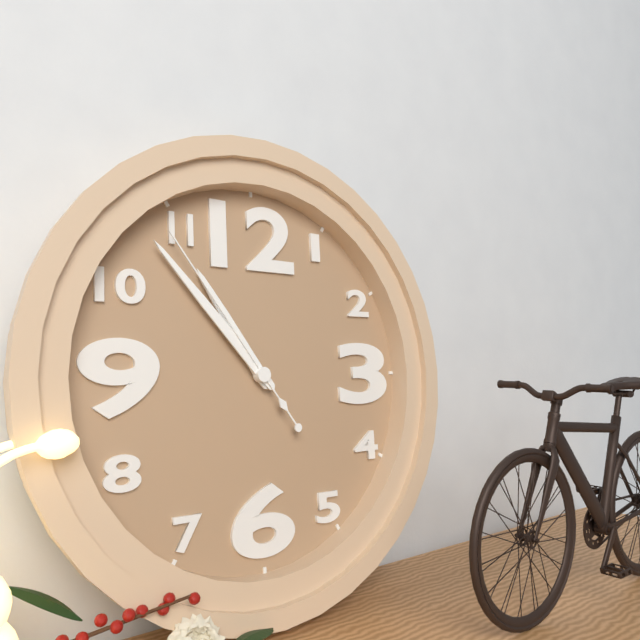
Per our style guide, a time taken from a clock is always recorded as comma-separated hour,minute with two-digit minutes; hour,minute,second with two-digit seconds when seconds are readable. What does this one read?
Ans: 10,53,54
